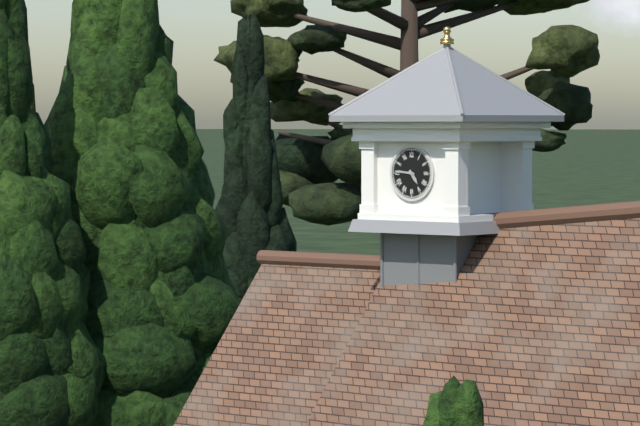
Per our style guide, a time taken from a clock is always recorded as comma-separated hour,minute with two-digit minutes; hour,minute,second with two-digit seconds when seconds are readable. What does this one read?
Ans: 4,46
